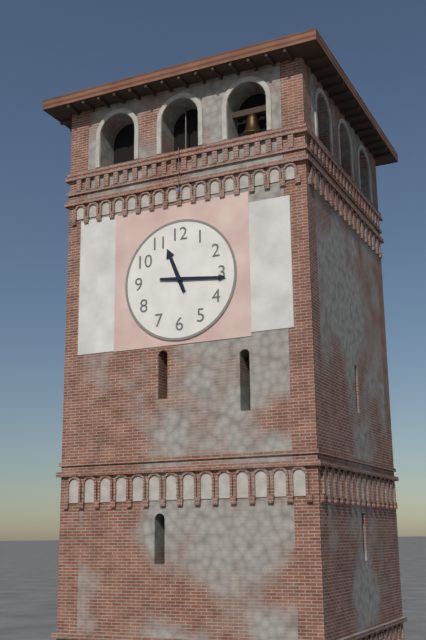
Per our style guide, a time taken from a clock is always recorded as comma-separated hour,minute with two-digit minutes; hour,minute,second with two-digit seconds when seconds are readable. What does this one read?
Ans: 11,16
